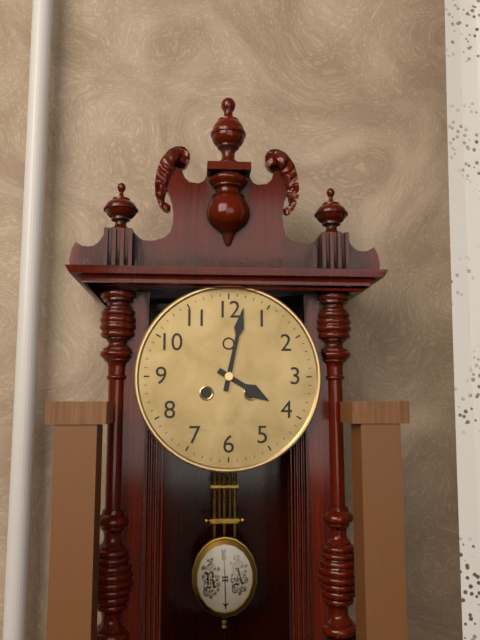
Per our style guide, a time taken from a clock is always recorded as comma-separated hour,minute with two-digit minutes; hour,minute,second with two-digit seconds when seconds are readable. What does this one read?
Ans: 4,02
